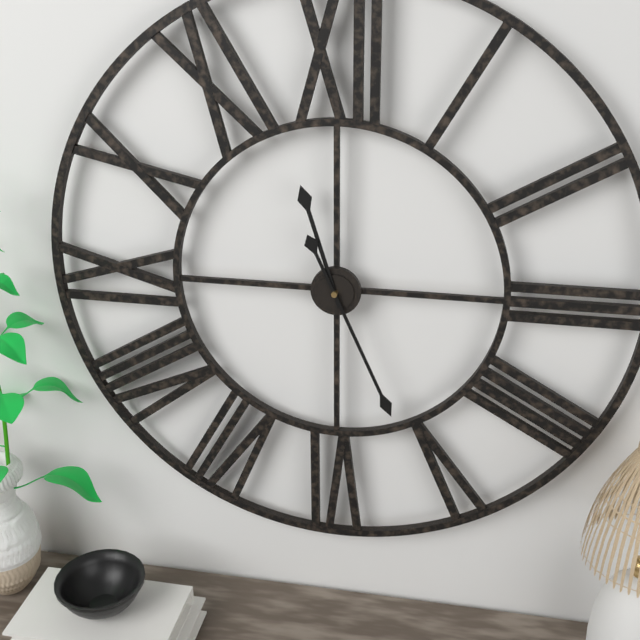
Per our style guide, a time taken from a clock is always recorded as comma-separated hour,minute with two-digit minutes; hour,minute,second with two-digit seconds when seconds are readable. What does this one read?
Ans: 11,26
